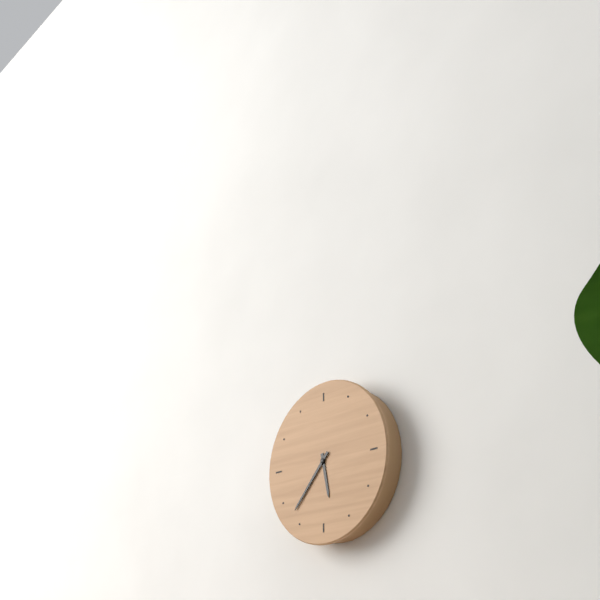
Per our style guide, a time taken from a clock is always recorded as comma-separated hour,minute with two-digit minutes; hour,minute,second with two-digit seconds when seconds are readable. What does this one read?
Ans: 5,37
